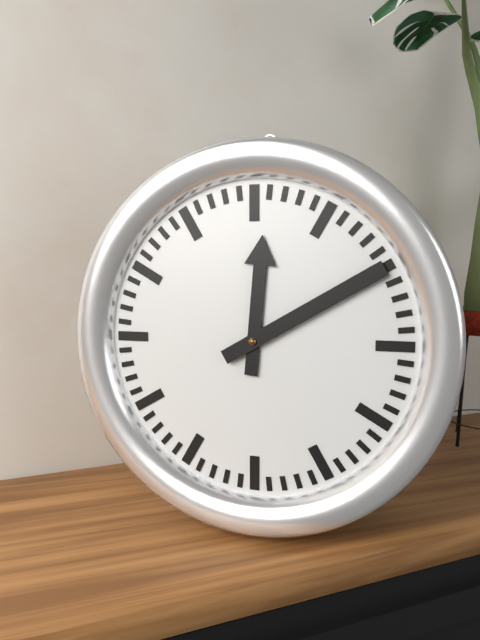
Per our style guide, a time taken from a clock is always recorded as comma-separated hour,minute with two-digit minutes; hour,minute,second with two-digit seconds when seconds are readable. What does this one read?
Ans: 12,10
